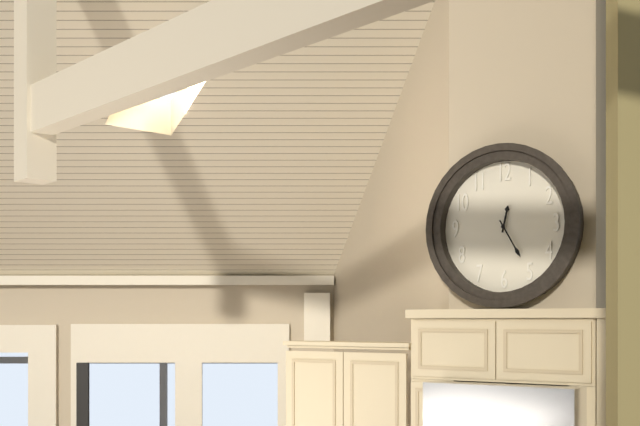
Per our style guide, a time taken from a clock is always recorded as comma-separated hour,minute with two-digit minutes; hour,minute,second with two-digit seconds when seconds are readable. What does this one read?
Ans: 12,25
